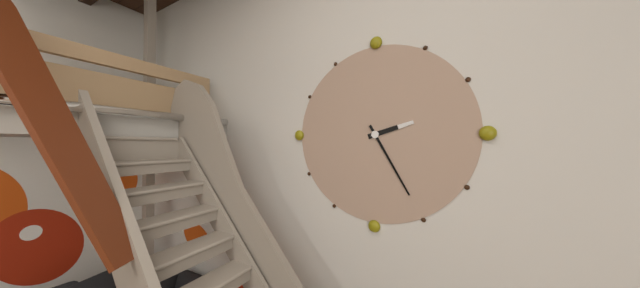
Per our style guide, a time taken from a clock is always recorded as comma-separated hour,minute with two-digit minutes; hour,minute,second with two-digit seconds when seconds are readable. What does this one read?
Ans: 2,25
